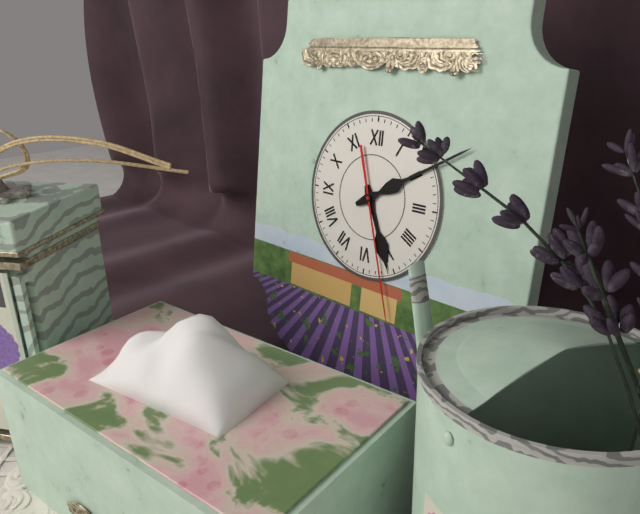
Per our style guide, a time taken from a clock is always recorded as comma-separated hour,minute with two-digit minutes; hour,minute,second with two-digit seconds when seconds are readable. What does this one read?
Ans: 5,10,27
